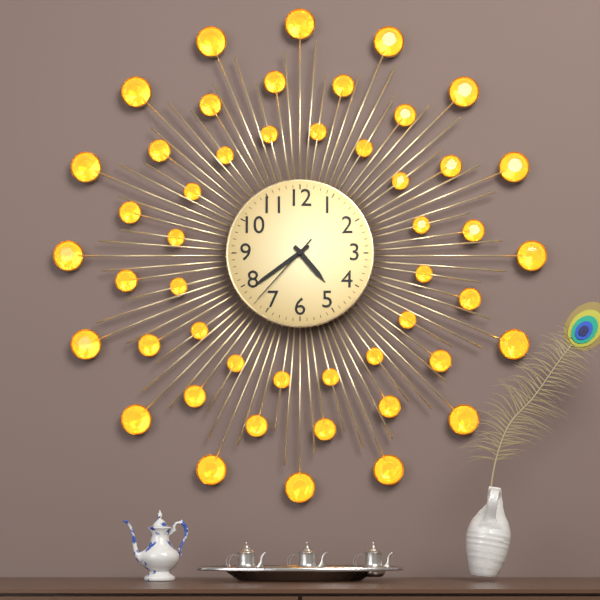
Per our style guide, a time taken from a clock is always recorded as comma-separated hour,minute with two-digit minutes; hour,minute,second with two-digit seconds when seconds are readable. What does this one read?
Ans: 4,39,37
